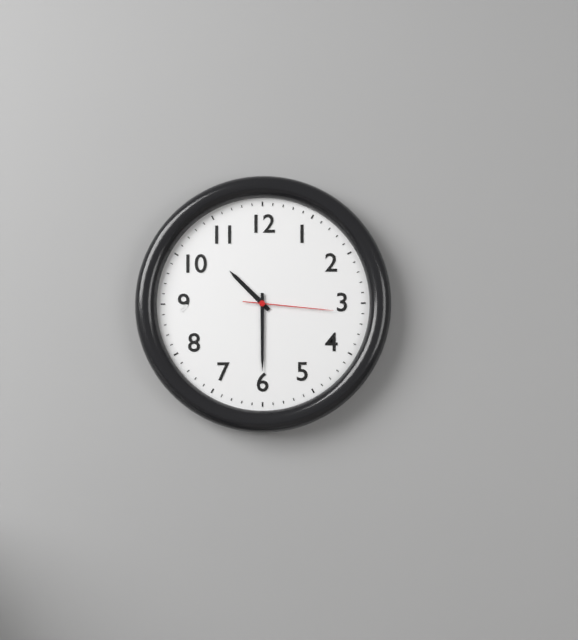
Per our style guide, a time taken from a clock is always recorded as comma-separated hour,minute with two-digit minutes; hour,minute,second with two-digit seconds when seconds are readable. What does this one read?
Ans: 10,30,16
